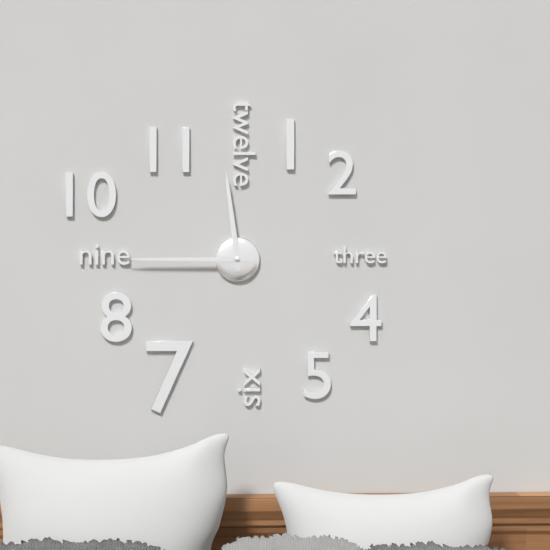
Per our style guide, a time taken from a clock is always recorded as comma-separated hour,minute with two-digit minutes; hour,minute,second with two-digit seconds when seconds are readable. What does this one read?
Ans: 11,45
